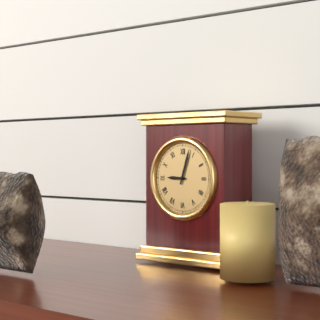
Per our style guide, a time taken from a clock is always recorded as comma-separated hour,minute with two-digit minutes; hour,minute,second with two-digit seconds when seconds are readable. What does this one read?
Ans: 9,03
